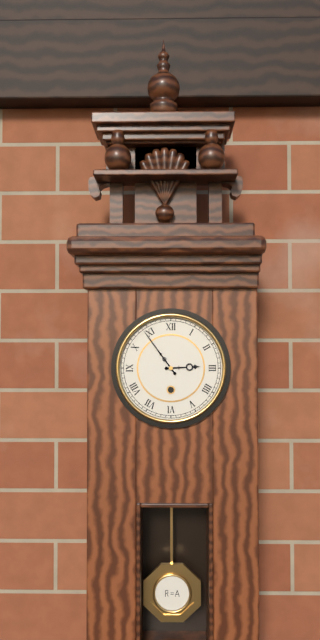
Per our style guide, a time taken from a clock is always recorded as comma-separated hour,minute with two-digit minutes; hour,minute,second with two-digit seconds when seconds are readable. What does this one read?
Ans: 2,54
